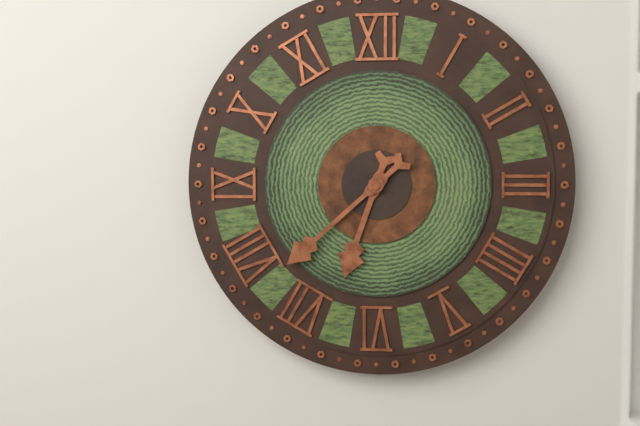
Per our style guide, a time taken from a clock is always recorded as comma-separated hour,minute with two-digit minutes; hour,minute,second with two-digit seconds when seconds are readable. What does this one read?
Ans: 6,38
